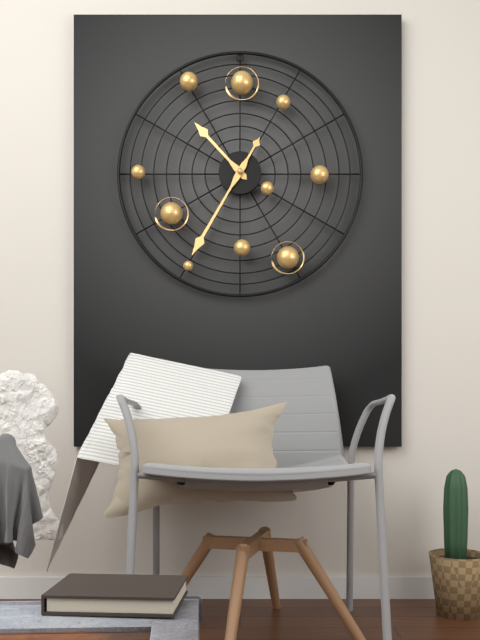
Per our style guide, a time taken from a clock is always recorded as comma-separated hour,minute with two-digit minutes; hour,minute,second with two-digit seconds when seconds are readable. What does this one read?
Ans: 10,35
